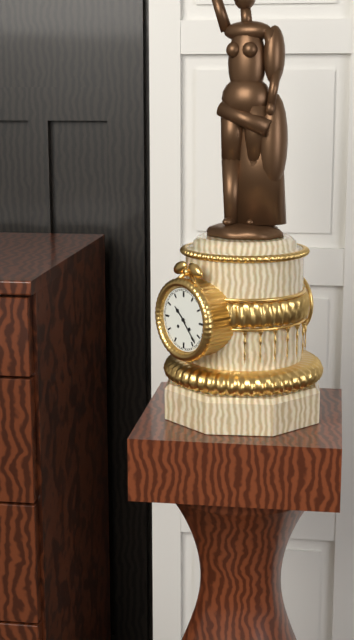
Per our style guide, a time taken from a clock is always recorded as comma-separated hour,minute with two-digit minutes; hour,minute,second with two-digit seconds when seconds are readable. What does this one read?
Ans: 10,23
